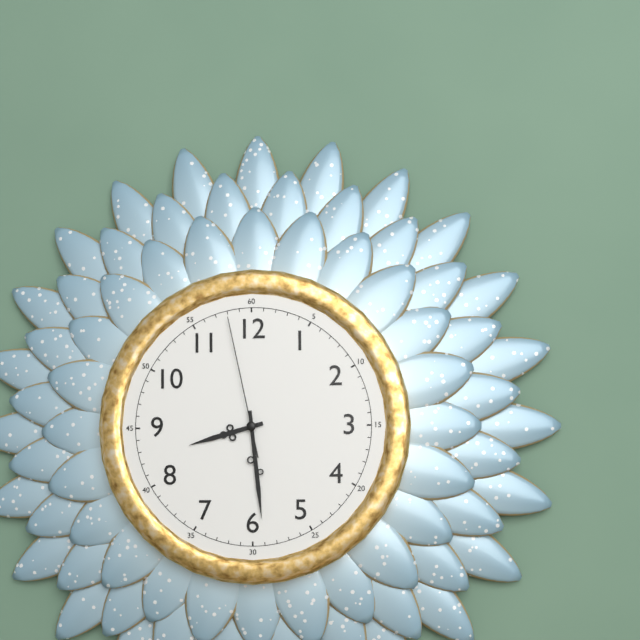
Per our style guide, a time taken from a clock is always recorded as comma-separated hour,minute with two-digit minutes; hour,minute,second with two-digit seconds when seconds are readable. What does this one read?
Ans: 8,29,58
